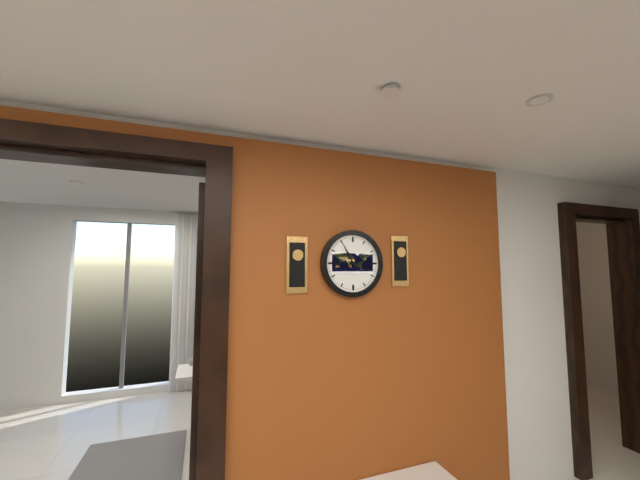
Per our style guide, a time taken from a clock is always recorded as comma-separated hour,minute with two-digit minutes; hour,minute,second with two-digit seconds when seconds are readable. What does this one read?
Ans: 3,55
